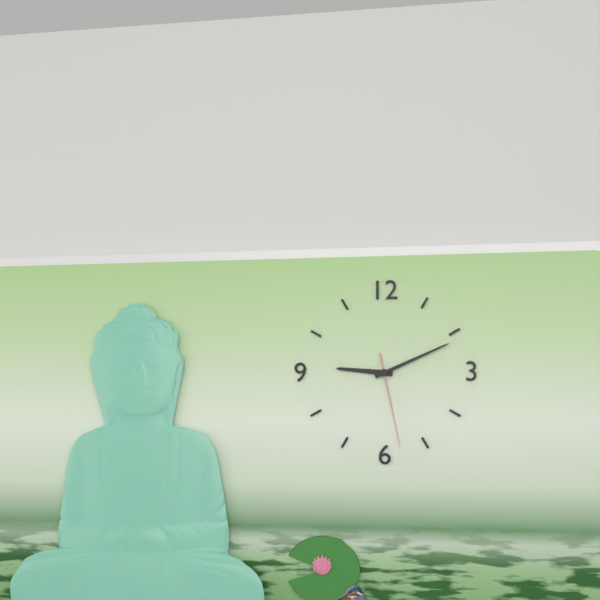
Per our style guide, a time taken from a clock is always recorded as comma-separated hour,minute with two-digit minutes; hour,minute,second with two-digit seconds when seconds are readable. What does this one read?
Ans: 9,11,28
